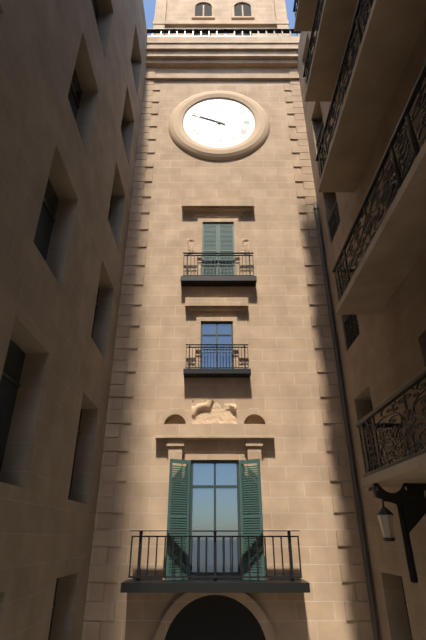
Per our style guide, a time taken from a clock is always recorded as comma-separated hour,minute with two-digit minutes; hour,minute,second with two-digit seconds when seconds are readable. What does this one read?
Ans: 9,49
